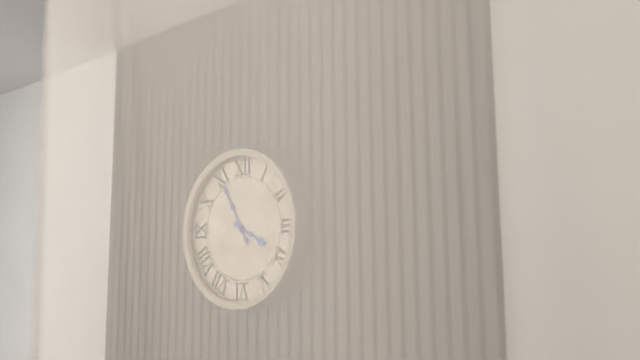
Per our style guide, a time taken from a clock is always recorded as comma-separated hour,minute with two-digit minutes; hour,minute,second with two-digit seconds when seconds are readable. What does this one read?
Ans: 3,55
